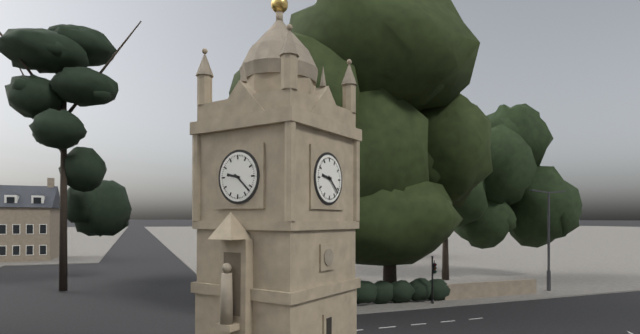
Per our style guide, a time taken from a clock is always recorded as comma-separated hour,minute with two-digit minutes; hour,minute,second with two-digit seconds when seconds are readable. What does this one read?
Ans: 9,22
